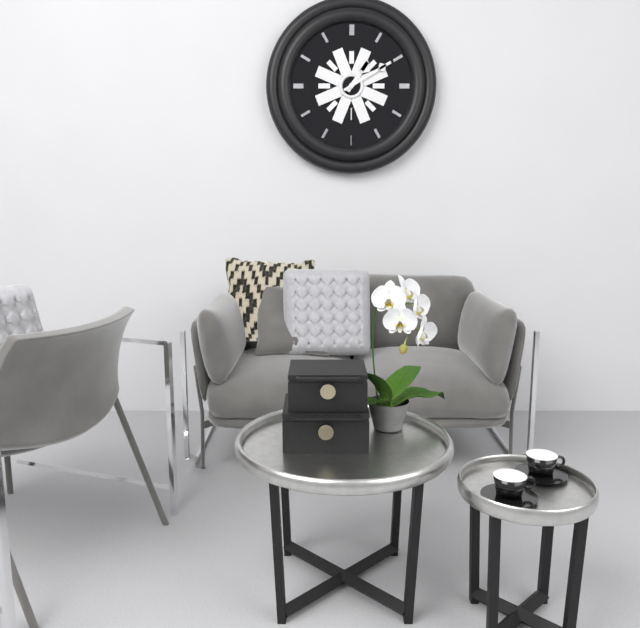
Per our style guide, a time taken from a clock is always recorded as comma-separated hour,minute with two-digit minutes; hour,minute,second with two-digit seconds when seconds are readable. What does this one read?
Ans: 1,10
